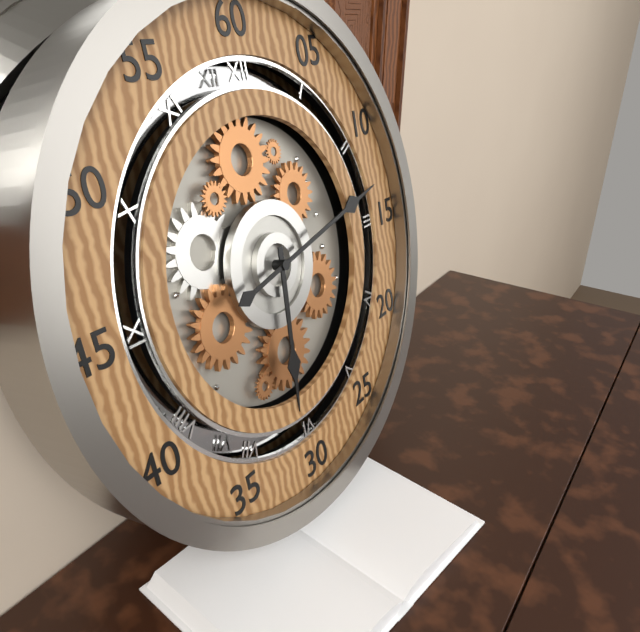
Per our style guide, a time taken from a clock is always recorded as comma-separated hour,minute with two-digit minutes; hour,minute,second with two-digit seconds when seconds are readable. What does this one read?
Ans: 6,13
